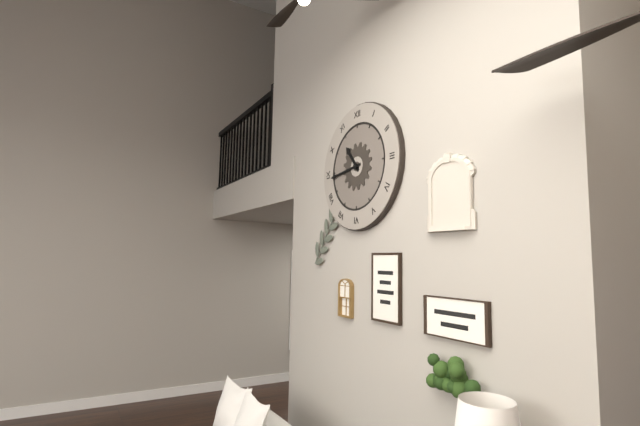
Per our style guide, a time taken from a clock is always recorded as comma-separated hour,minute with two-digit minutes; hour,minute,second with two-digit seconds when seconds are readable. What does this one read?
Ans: 10,44
